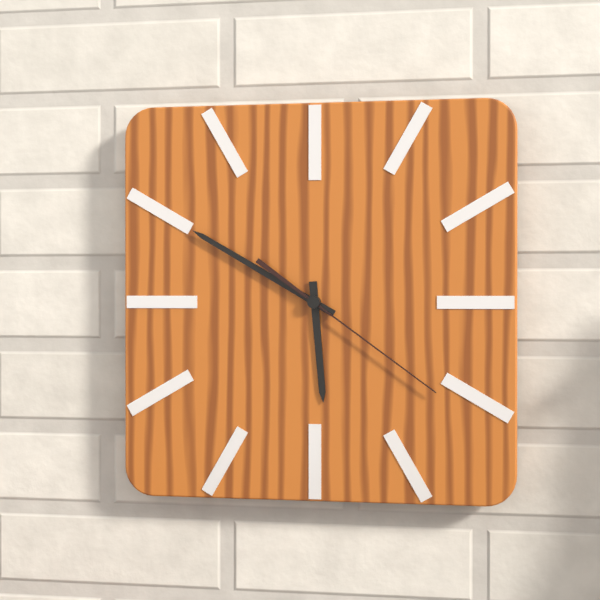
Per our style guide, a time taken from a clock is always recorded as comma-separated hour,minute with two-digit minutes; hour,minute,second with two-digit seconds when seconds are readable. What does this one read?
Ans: 5,50,21
